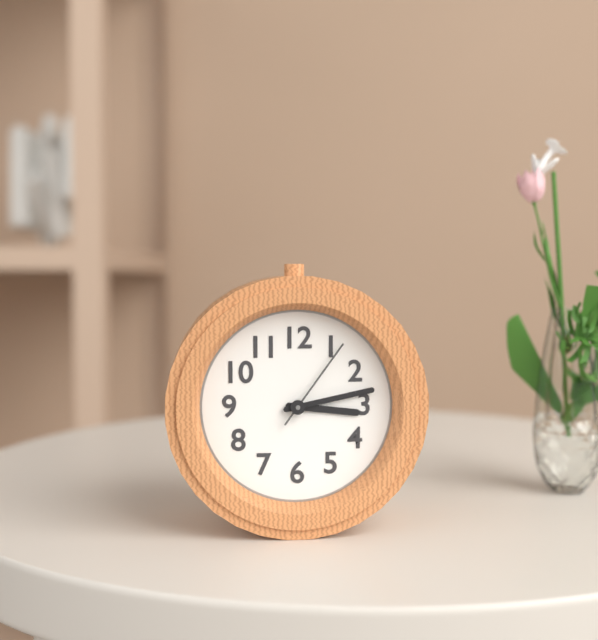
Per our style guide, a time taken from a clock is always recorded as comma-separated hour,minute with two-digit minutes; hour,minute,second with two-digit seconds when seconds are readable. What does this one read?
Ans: 3,13,06
